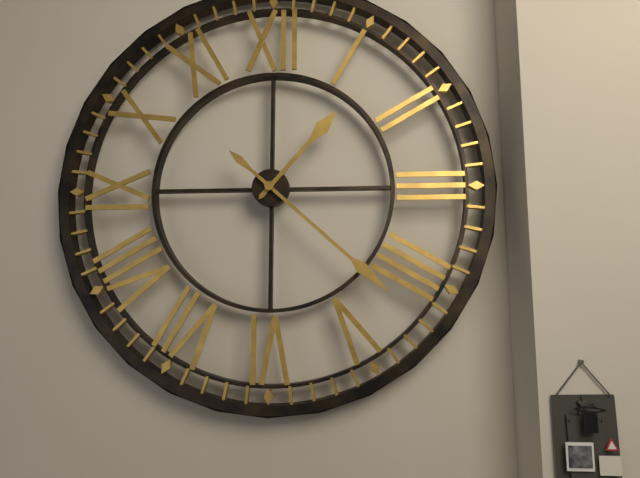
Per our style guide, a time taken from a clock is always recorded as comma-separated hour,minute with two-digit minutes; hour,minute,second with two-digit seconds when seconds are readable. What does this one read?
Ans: 1,22
